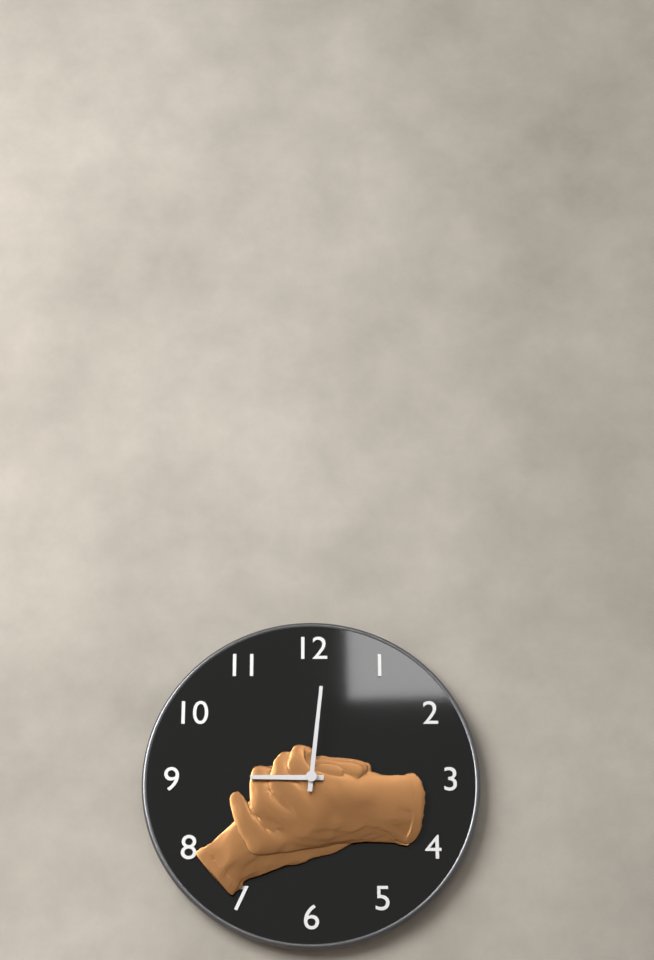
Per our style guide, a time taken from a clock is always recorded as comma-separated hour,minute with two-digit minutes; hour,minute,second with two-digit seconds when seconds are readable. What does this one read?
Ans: 9,01
